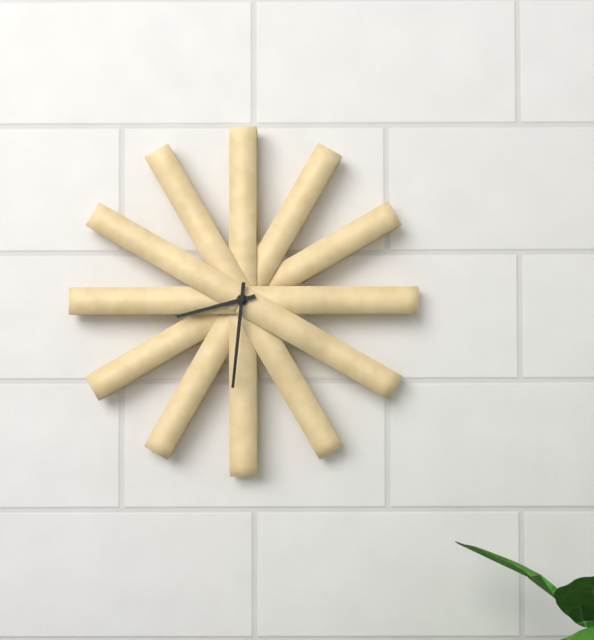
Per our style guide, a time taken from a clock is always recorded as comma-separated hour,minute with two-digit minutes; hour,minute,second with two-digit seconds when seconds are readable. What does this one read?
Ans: 8,31
